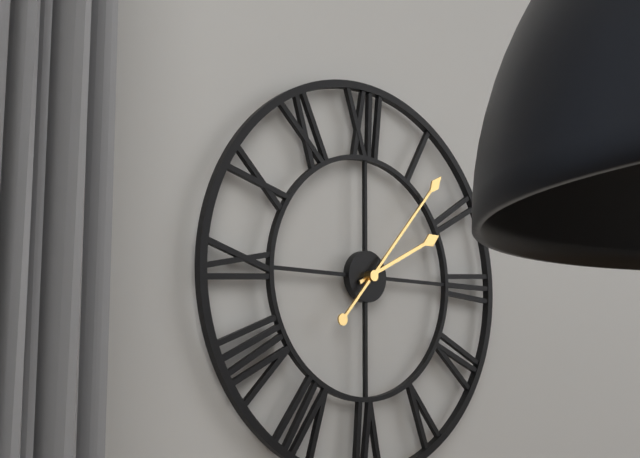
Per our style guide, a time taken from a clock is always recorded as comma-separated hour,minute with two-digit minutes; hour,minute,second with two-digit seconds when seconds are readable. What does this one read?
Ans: 2,07
